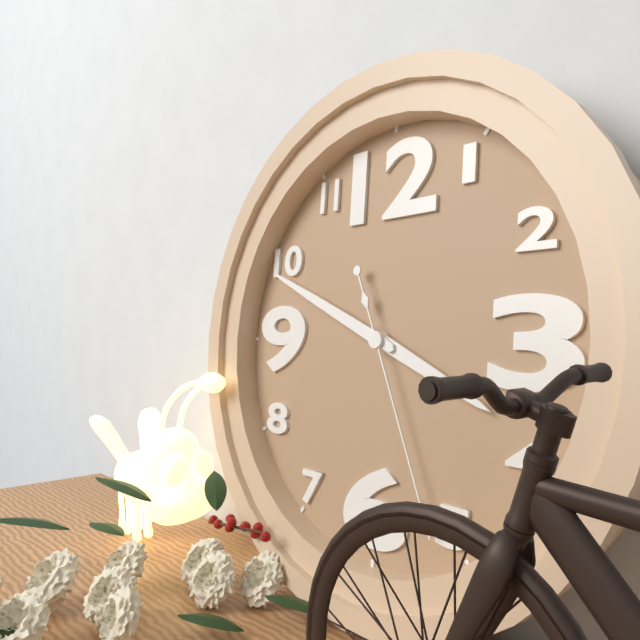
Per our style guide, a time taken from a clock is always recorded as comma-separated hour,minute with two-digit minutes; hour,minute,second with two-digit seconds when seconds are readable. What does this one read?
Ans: 3,49,26
